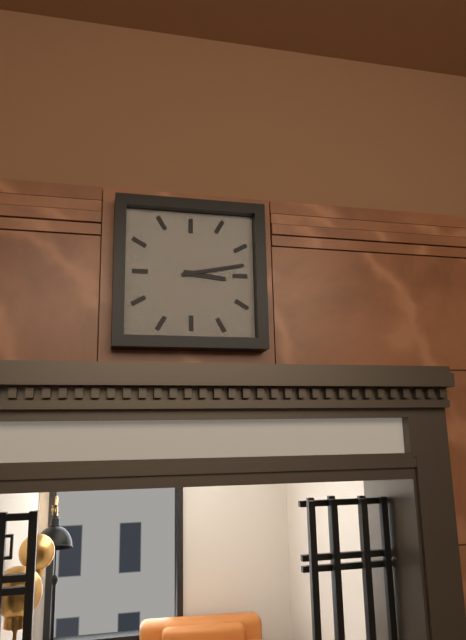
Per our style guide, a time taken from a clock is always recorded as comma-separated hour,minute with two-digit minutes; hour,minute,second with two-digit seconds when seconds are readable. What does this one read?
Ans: 3,13
